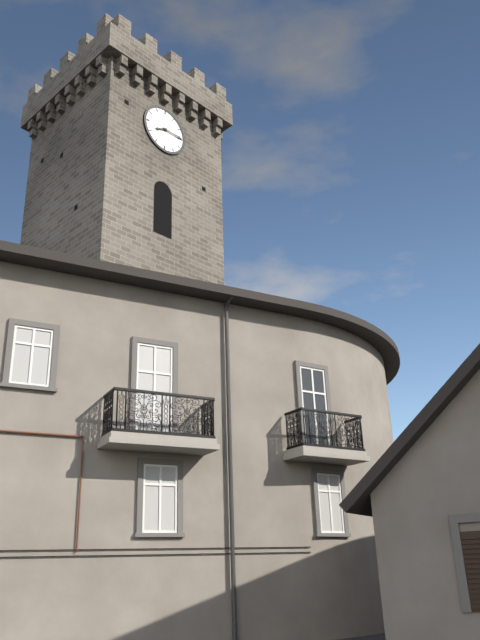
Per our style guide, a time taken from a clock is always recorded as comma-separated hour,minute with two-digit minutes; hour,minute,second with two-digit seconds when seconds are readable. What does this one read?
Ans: 8,15
